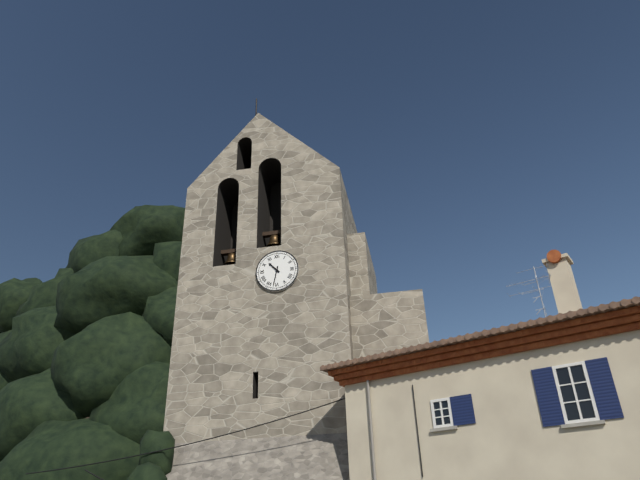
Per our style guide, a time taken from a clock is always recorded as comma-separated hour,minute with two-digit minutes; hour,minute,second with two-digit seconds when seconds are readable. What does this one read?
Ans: 10,32
